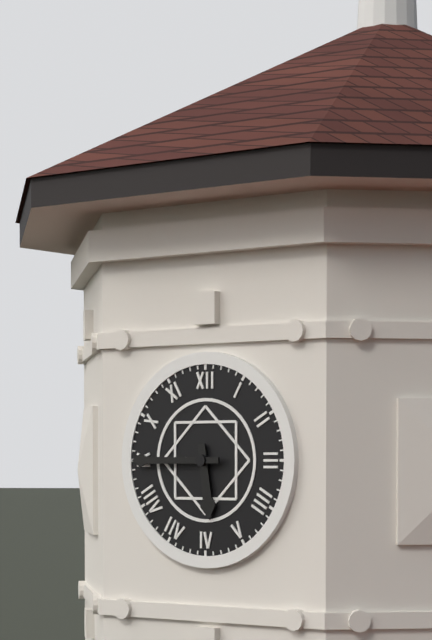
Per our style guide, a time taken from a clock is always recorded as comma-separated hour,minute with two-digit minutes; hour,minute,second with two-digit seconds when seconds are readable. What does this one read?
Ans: 5,45
